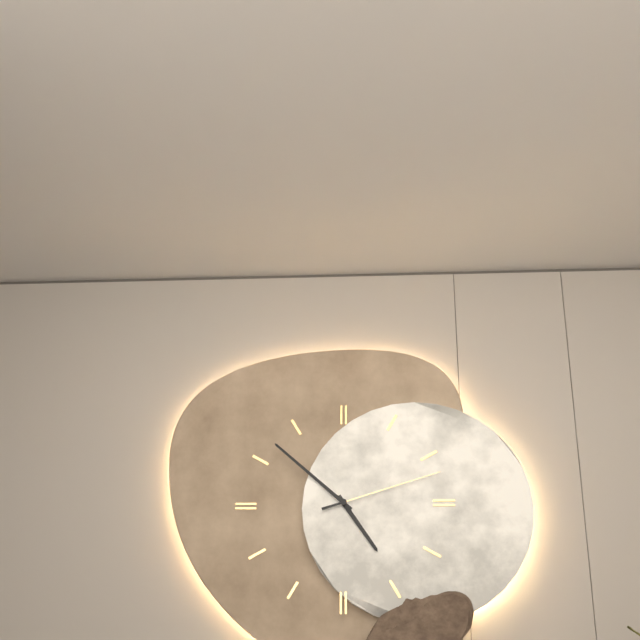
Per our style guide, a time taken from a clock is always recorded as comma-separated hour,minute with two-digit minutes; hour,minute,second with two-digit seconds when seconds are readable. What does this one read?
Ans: 4,52,12
